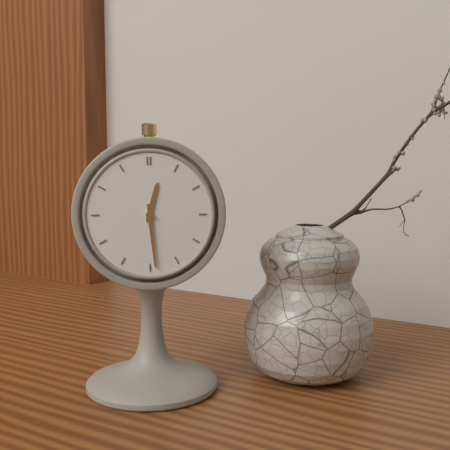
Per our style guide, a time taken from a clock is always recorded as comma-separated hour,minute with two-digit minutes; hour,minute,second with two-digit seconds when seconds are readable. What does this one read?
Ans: 12,29
